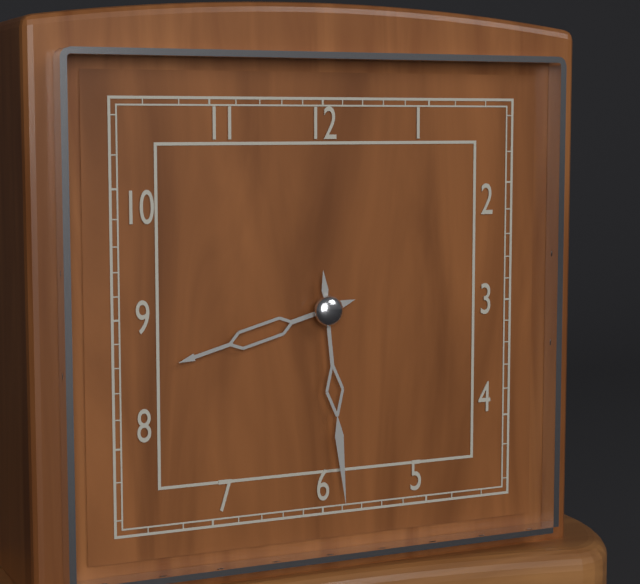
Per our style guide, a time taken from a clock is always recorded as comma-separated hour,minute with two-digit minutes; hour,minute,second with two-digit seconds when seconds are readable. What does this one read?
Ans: 8,29
